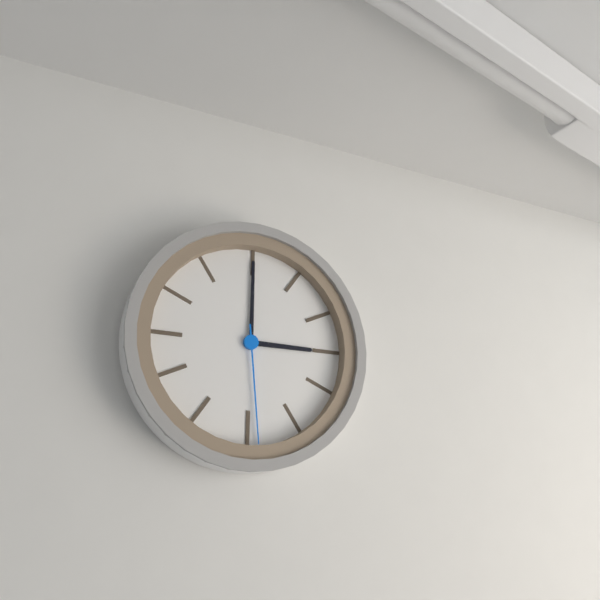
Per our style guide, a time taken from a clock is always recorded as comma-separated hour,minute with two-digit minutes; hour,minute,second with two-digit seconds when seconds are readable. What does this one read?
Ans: 3,00,29
